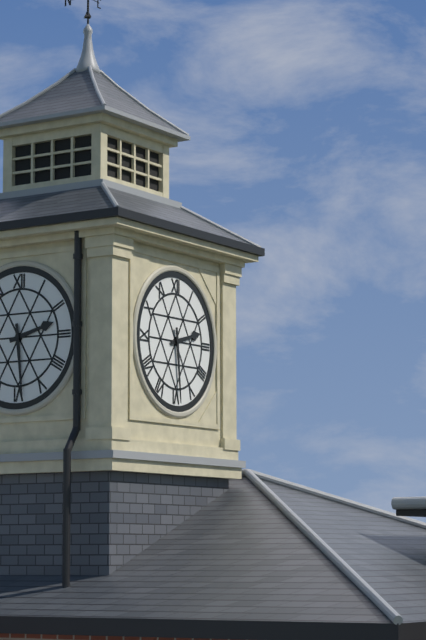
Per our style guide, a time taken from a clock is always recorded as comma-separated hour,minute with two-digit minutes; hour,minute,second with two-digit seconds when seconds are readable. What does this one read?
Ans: 2,29
